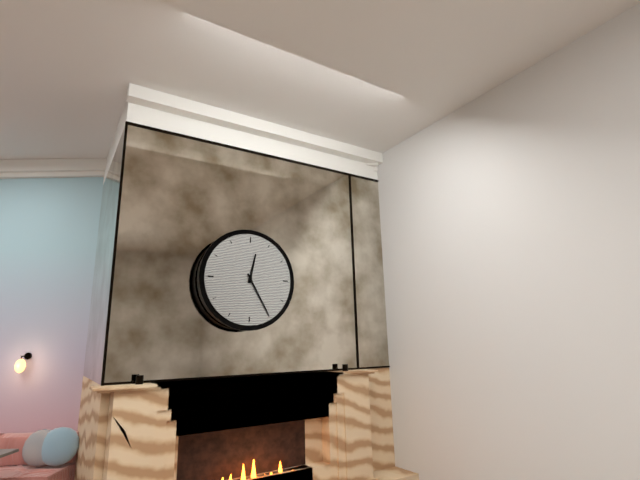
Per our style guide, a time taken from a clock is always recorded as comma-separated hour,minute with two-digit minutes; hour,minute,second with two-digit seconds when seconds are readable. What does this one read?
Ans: 12,25
